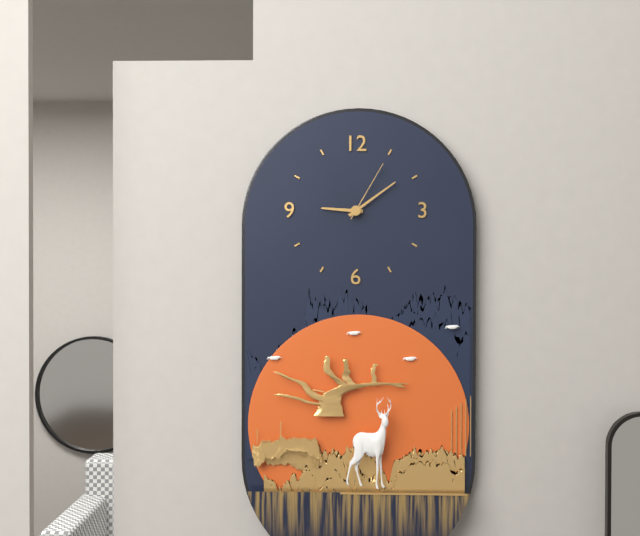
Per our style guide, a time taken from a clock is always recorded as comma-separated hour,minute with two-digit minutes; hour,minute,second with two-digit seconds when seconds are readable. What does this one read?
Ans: 9,09,05
